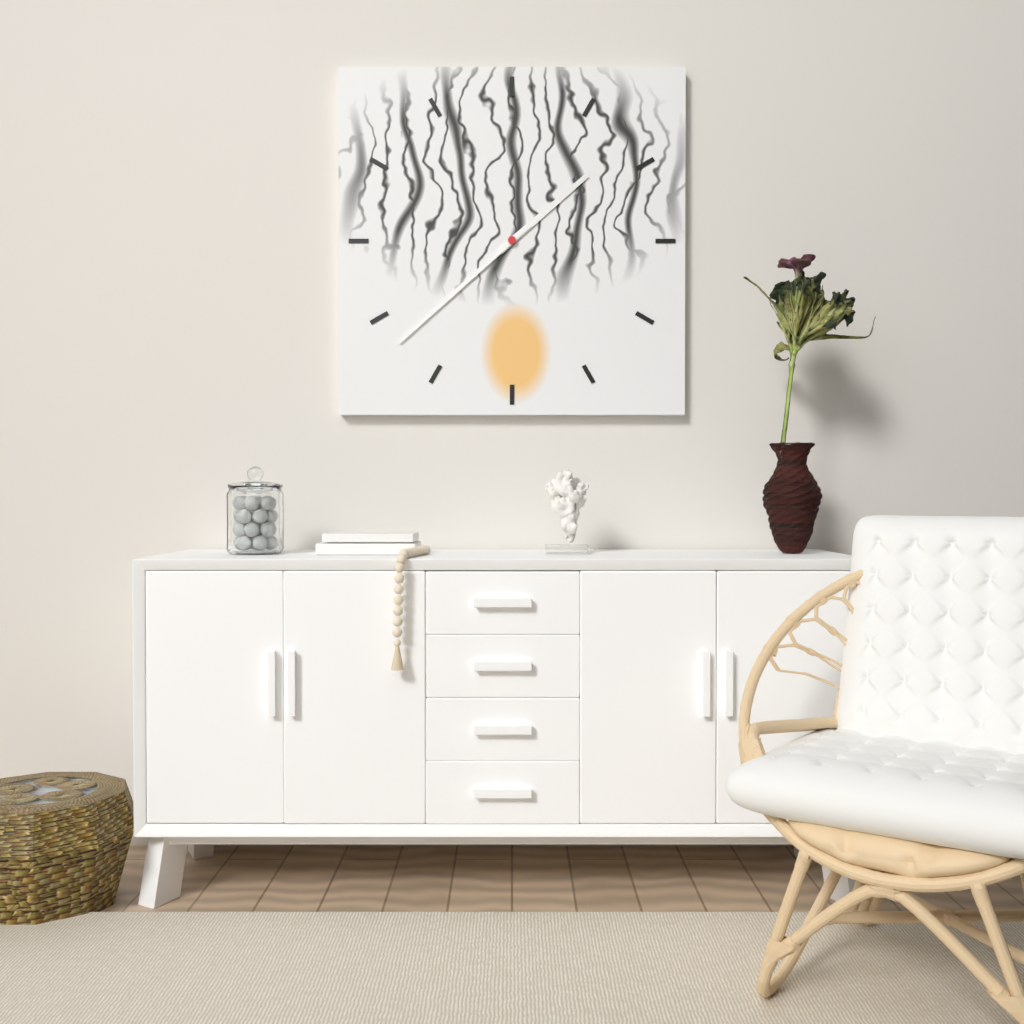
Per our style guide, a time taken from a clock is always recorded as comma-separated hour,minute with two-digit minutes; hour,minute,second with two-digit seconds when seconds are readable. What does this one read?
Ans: 1,38
